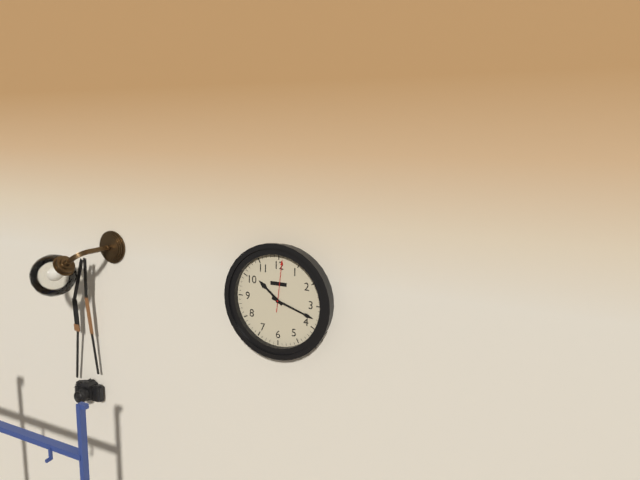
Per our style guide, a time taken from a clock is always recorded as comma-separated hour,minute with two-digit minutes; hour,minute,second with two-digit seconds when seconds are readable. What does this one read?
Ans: 10,18,01
